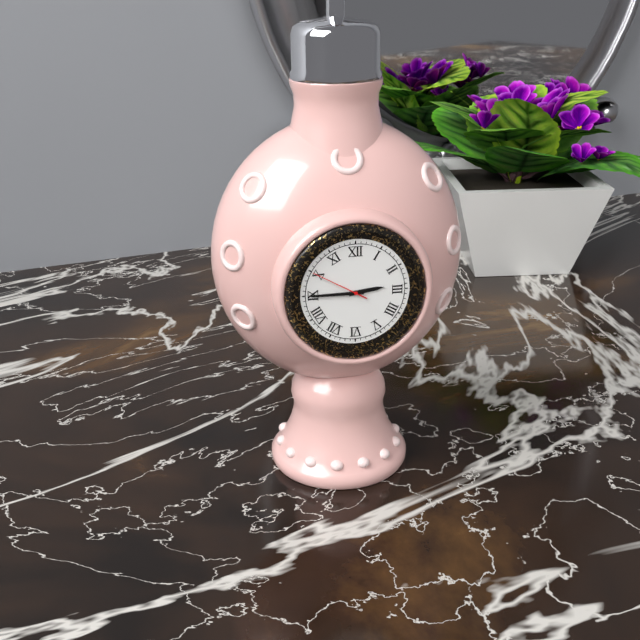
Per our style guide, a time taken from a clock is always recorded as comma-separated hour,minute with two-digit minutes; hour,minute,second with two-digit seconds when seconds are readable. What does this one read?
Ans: 2,45,50
